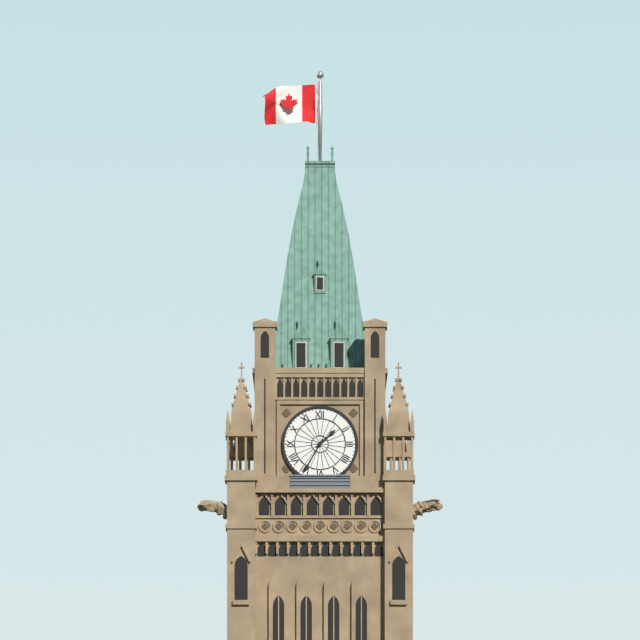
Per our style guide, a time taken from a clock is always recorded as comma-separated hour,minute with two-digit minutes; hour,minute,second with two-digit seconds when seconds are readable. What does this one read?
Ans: 1,35
